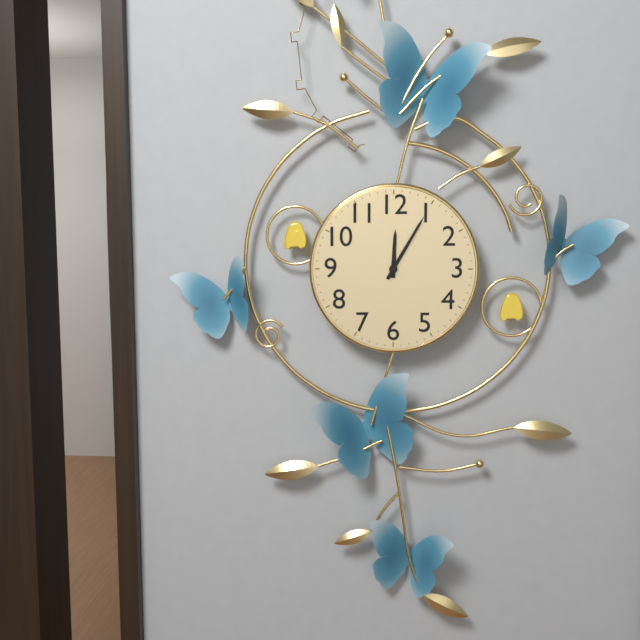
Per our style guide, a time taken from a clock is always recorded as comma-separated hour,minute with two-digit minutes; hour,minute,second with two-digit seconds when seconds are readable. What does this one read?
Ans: 12,05
